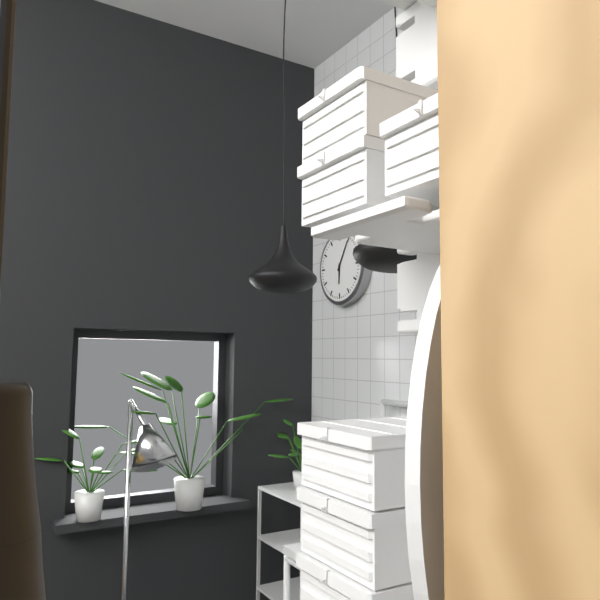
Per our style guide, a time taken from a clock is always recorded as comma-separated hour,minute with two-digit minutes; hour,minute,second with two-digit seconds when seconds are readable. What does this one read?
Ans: 6,05
